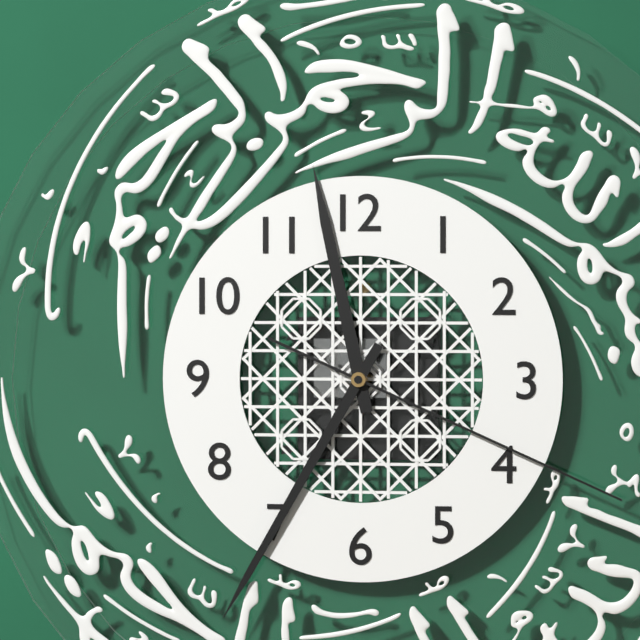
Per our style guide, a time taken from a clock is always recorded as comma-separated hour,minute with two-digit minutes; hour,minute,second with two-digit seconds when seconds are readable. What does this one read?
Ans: 11,35,19
